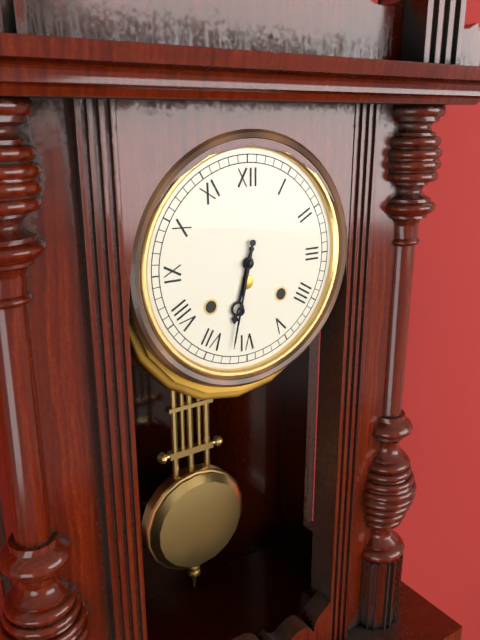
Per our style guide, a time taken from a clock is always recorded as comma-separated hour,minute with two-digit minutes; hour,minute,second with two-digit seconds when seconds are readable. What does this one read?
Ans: 6,32
